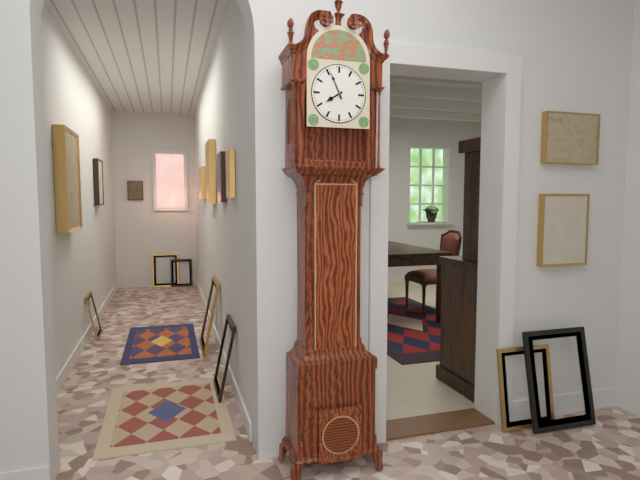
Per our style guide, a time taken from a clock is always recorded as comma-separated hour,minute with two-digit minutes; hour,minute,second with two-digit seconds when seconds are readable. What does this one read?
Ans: 7,56
